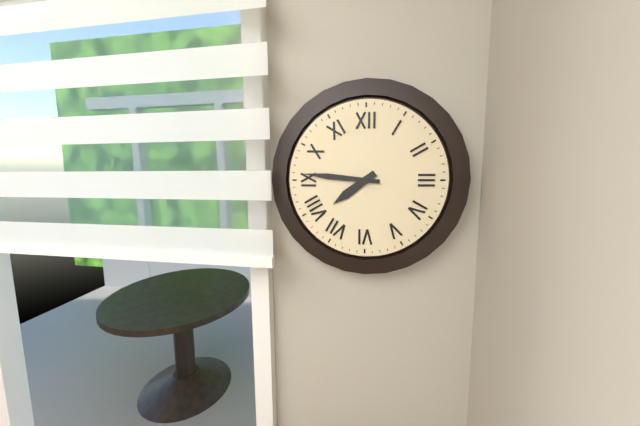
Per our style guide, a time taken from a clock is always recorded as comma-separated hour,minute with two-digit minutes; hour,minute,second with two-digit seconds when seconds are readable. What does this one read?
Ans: 7,46
